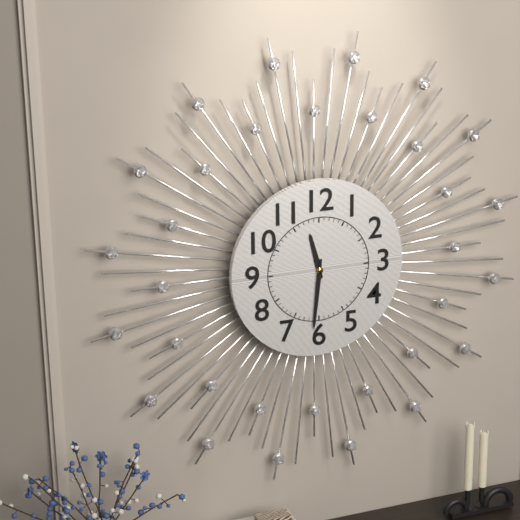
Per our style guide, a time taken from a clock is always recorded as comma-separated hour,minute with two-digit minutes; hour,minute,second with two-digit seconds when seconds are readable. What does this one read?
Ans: 11,31
